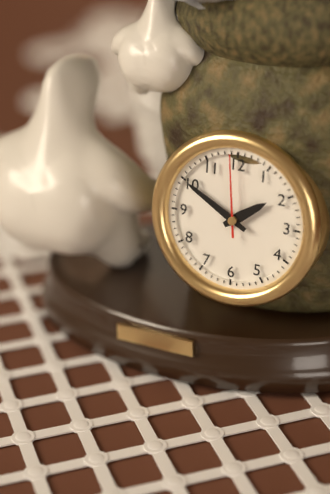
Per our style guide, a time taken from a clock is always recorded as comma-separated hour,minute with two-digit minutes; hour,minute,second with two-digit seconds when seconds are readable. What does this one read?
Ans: 1,50,59
